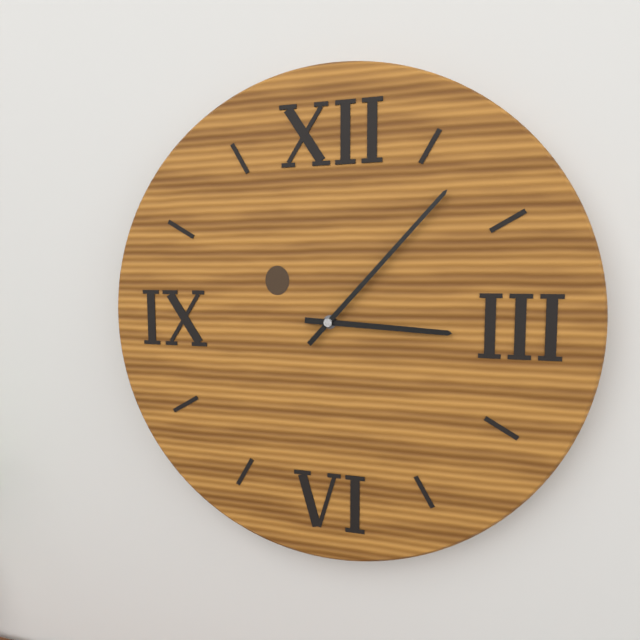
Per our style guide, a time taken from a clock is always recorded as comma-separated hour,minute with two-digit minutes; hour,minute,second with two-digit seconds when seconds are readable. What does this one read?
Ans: 3,07
